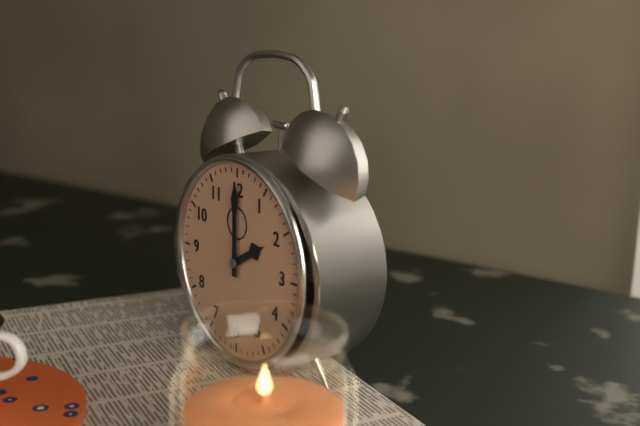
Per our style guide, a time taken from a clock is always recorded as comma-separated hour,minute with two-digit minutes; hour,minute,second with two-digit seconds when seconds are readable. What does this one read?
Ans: 2,00
